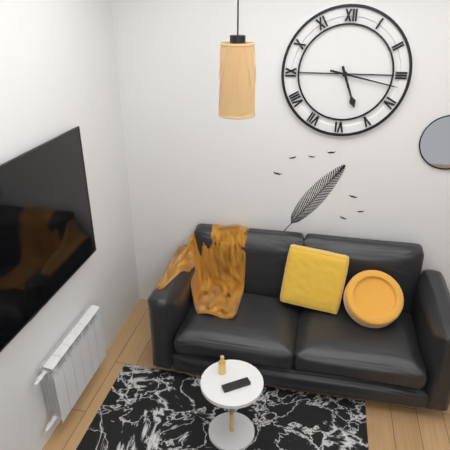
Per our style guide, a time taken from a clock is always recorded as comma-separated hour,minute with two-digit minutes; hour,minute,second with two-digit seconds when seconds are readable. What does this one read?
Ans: 5,17
